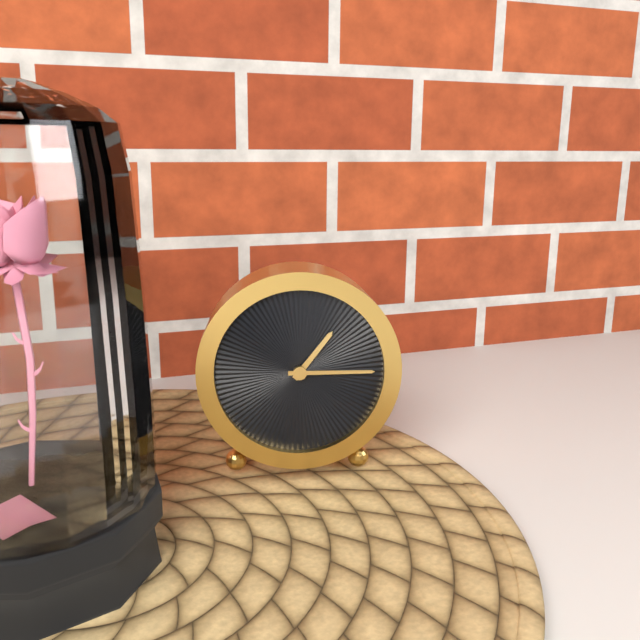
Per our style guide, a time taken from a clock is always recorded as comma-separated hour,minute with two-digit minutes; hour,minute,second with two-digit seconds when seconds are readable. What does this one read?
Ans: 1,15
